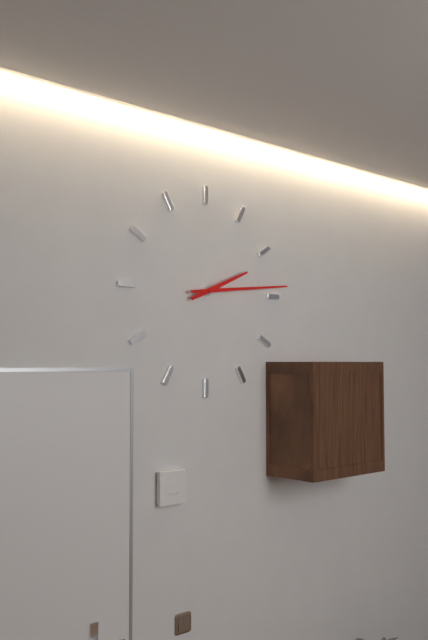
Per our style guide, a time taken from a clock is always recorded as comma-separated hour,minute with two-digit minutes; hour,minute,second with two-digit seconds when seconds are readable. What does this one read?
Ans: 2,14
